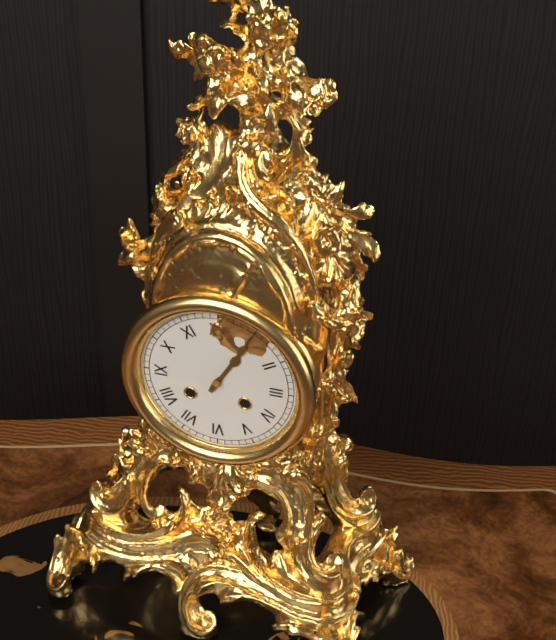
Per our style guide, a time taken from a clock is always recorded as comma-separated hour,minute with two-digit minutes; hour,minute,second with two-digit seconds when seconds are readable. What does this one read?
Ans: 1,05
